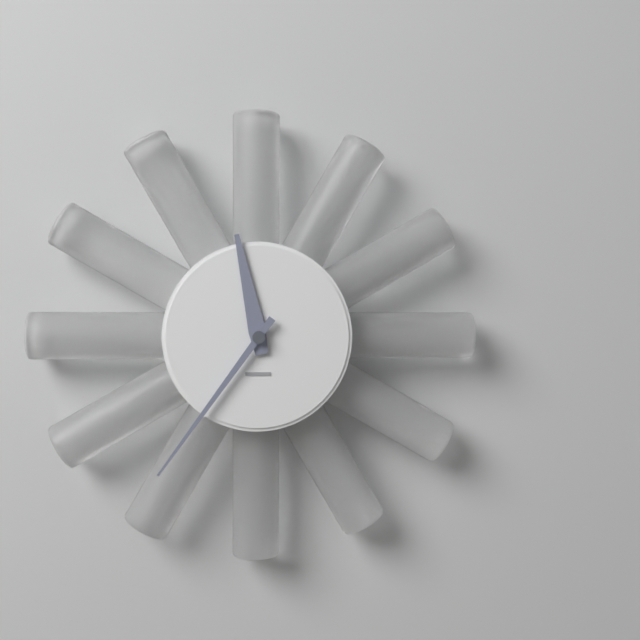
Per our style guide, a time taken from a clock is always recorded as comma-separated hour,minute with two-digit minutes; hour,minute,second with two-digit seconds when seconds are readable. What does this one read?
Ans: 11,36
